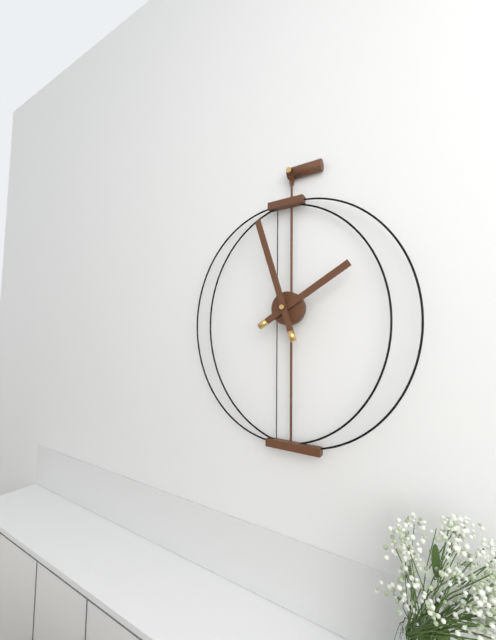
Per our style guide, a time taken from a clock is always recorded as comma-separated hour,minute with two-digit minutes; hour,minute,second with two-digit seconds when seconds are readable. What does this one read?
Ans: 1,57
